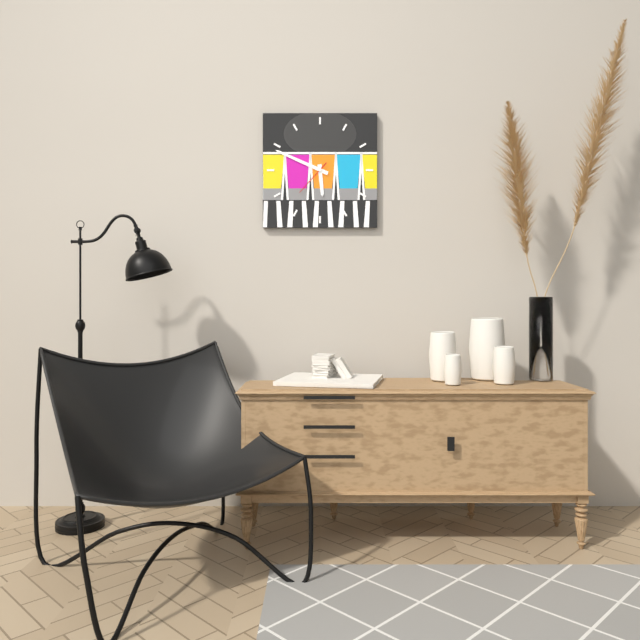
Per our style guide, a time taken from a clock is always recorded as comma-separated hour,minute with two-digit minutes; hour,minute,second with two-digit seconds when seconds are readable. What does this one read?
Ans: 5,49
